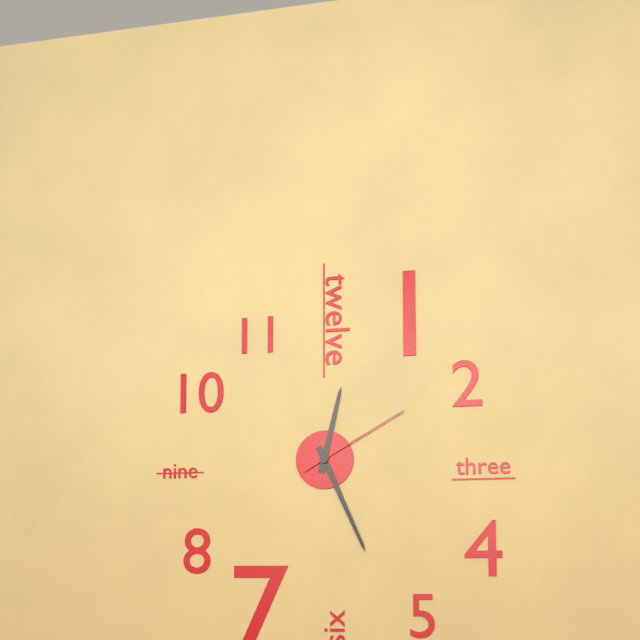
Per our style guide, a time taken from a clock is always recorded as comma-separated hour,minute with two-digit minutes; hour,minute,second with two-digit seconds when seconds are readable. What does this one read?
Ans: 12,26,10
